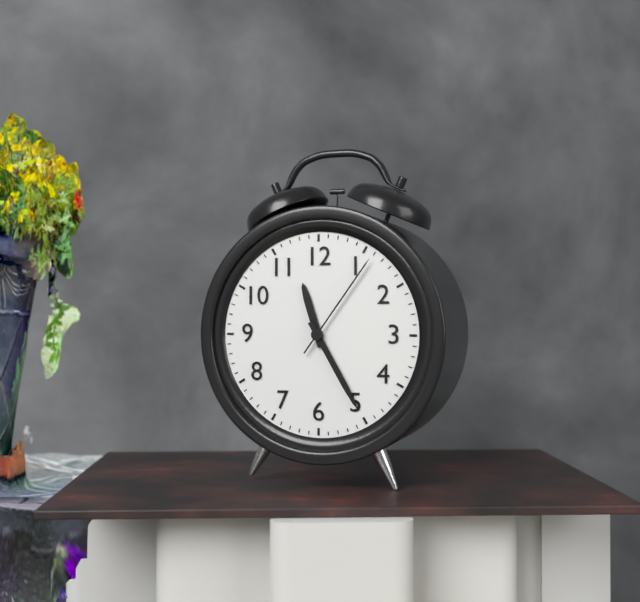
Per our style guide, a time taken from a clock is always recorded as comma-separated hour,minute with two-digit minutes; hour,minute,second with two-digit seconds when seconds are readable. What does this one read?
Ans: 11,25,06
